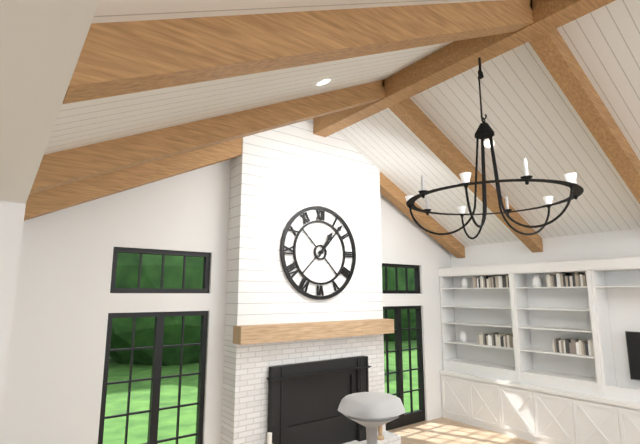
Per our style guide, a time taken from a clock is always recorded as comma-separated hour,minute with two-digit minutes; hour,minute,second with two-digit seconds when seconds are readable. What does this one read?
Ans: 1,07
